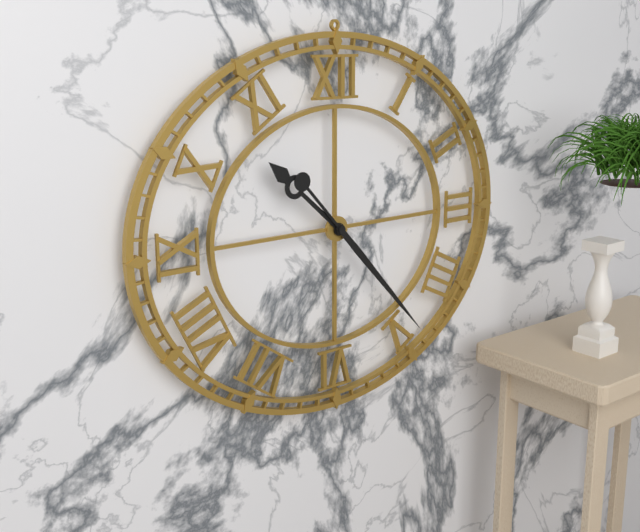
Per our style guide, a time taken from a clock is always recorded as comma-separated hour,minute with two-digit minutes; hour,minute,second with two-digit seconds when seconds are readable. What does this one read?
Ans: 10,23
